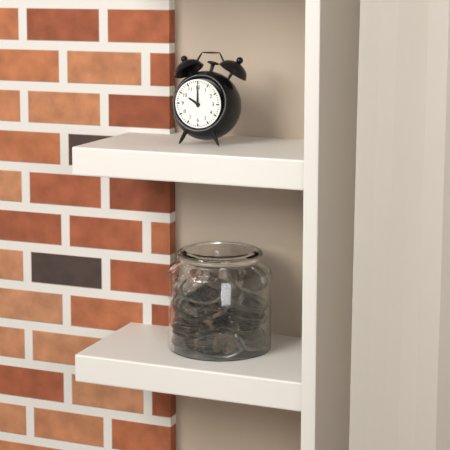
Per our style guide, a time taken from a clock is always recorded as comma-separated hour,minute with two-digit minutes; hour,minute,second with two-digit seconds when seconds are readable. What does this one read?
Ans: 10,00
